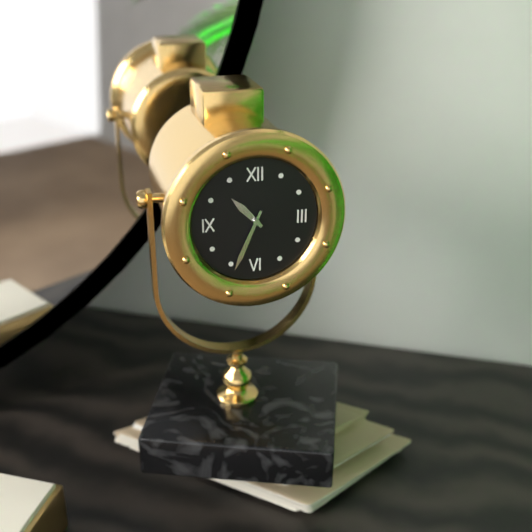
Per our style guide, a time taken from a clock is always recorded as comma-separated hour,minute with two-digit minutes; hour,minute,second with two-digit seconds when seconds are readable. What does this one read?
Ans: 10,34
